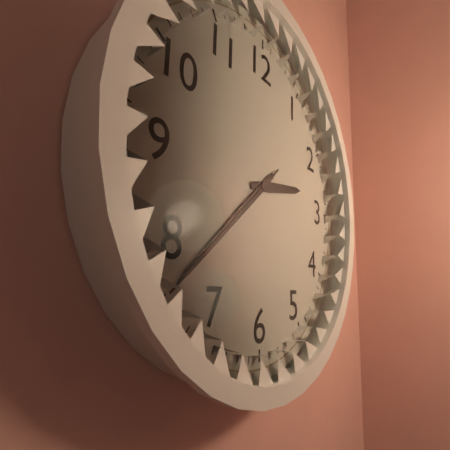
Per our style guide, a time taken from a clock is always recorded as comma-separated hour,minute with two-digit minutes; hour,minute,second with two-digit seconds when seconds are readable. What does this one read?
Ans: 2,38,38
